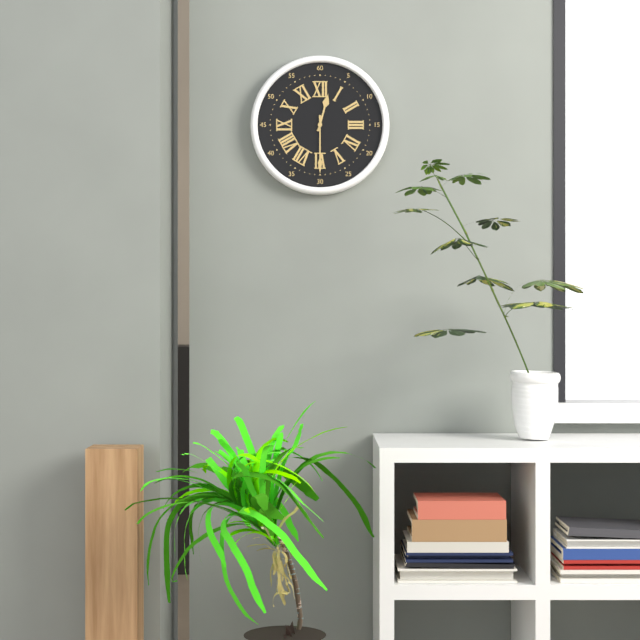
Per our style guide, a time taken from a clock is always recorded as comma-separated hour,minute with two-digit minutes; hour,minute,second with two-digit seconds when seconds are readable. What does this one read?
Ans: 12,30
